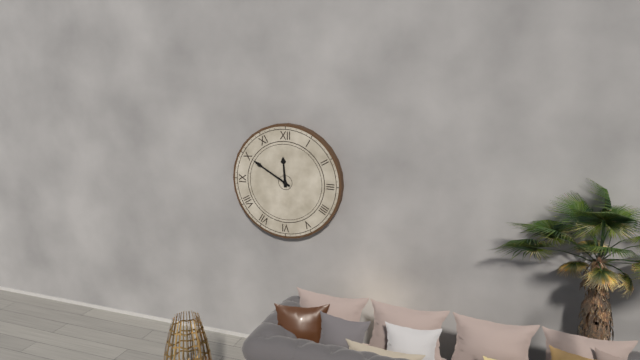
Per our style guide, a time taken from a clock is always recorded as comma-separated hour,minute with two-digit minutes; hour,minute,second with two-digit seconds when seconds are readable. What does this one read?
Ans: 11,50
